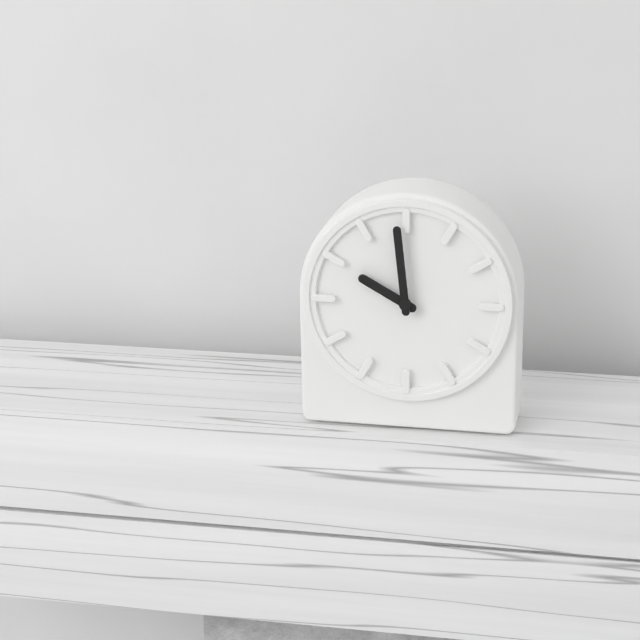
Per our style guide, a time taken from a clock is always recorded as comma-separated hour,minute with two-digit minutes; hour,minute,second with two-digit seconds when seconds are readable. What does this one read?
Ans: 9,59
